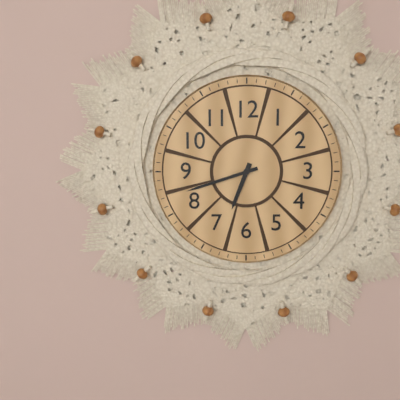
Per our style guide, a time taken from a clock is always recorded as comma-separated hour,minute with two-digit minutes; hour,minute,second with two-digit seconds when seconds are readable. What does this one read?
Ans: 6,42
